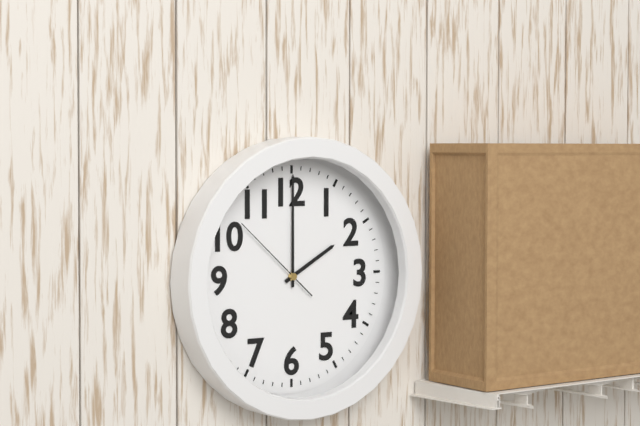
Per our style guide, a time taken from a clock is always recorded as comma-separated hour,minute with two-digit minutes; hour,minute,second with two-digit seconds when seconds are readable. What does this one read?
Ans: 2,00,52
